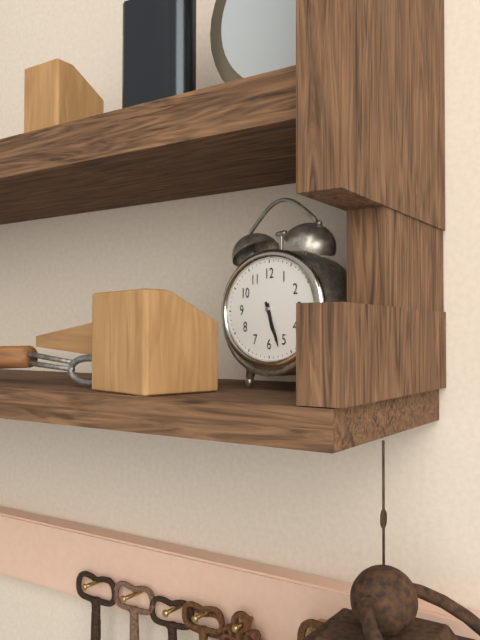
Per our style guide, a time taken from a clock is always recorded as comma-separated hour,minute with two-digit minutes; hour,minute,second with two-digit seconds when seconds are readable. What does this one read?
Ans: 5,26
